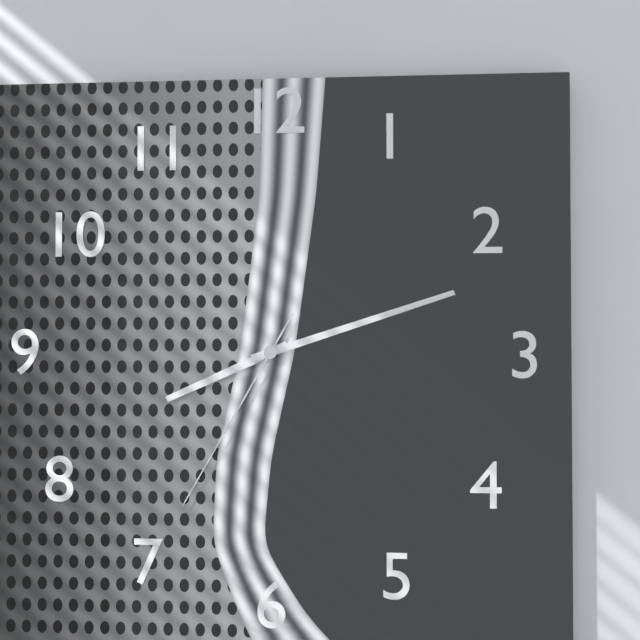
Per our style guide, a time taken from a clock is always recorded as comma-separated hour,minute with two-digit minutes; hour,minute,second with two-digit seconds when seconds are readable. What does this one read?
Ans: 8,12,35
